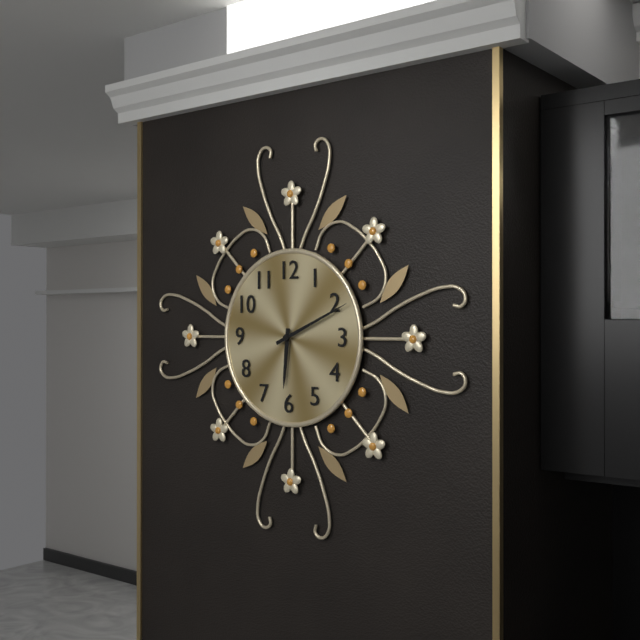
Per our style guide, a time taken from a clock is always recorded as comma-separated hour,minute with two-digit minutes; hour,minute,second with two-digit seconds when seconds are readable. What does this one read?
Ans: 6,11
